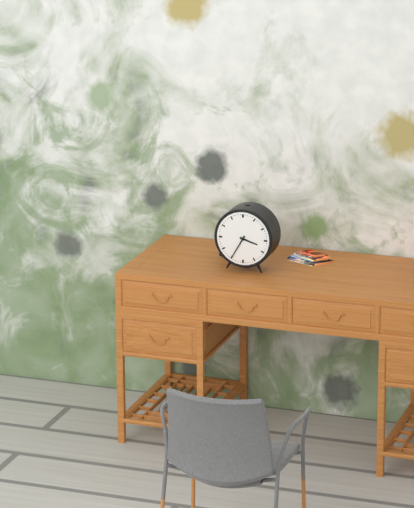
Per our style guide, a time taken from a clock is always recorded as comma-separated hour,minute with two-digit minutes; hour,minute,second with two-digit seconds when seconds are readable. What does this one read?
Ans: 3,35
